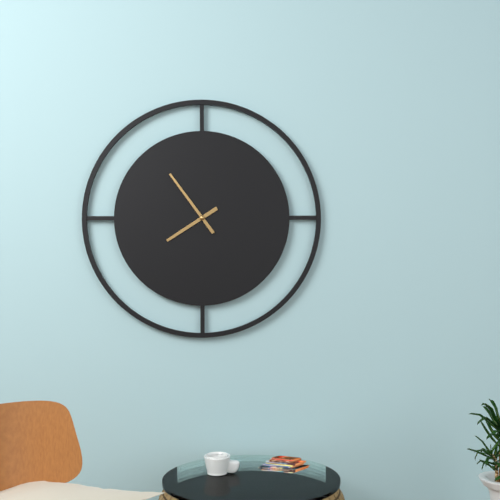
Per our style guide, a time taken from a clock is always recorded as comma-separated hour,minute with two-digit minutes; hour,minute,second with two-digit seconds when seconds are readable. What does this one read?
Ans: 7,54
